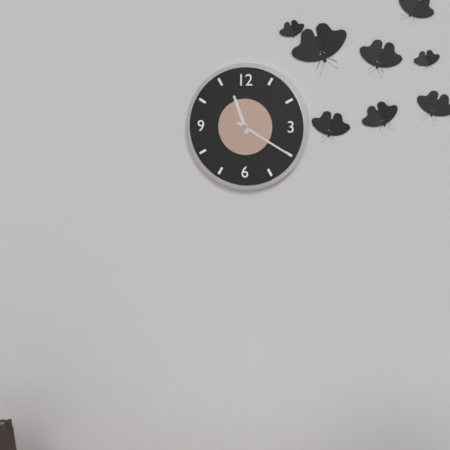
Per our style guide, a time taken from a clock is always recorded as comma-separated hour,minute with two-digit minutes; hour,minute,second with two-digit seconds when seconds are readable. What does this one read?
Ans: 11,20
